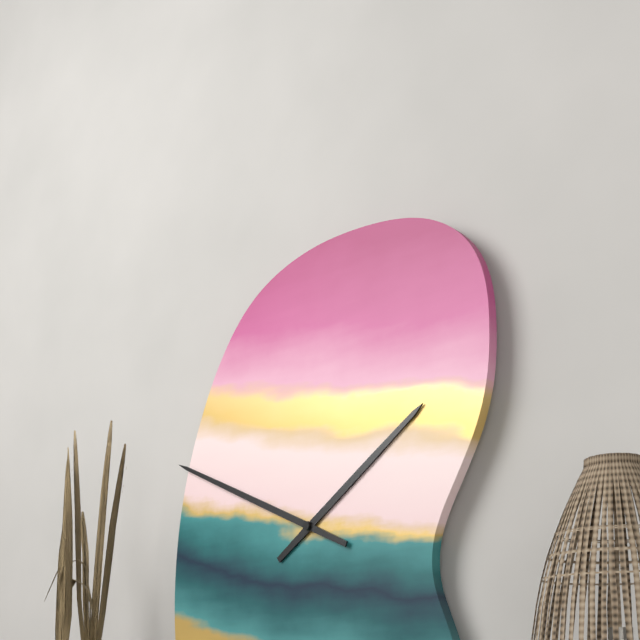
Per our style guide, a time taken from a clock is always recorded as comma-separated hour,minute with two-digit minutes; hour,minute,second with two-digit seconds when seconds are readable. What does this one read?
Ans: 1,49
